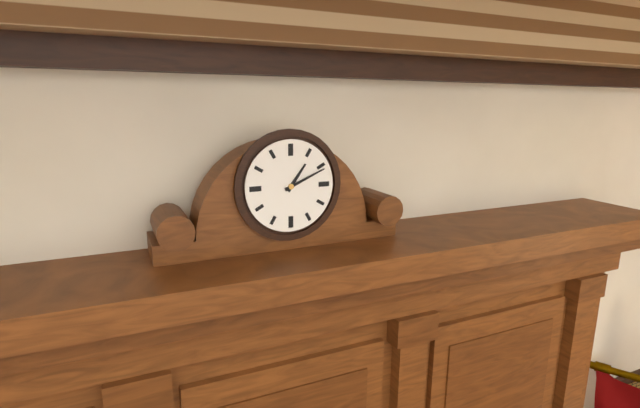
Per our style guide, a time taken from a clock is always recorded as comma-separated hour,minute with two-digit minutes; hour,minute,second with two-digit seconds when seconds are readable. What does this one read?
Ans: 1,11
